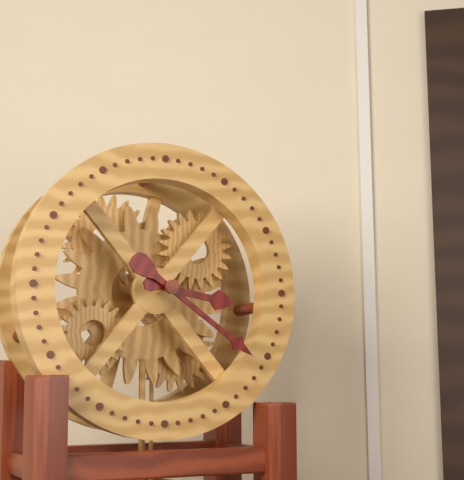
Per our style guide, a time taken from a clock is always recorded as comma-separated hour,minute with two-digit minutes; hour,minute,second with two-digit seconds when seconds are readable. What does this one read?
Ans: 3,21
